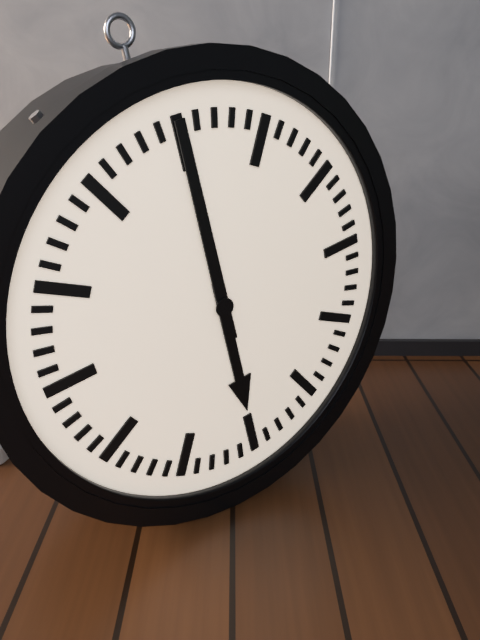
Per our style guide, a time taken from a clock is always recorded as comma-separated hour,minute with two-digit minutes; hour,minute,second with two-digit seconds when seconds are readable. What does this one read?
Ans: 6,00
